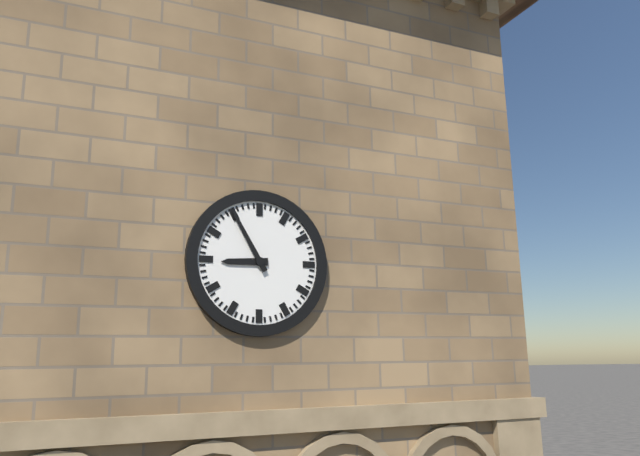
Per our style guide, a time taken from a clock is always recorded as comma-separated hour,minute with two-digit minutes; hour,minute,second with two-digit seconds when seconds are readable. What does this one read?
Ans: 8,55
